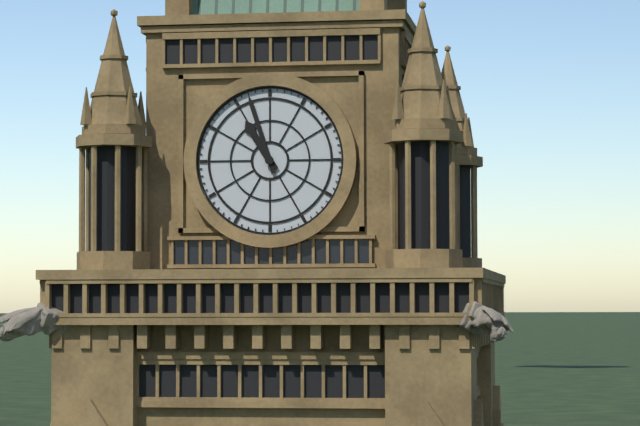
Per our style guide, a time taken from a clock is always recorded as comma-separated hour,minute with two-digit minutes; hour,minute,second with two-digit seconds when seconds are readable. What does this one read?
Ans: 10,57
